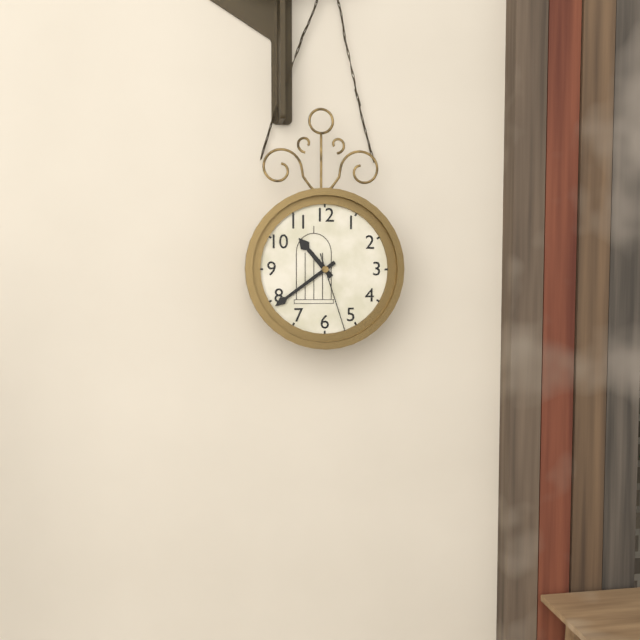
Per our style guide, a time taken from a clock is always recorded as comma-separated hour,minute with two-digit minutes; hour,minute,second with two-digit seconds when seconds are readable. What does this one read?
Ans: 10,39,27
